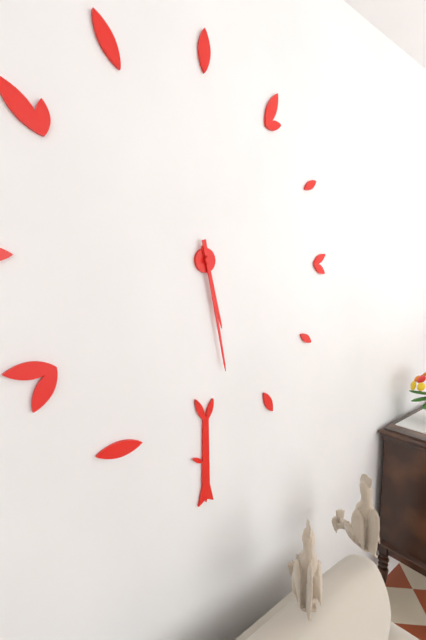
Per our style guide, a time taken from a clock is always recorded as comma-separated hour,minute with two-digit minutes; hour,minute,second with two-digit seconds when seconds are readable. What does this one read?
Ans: 5,28
